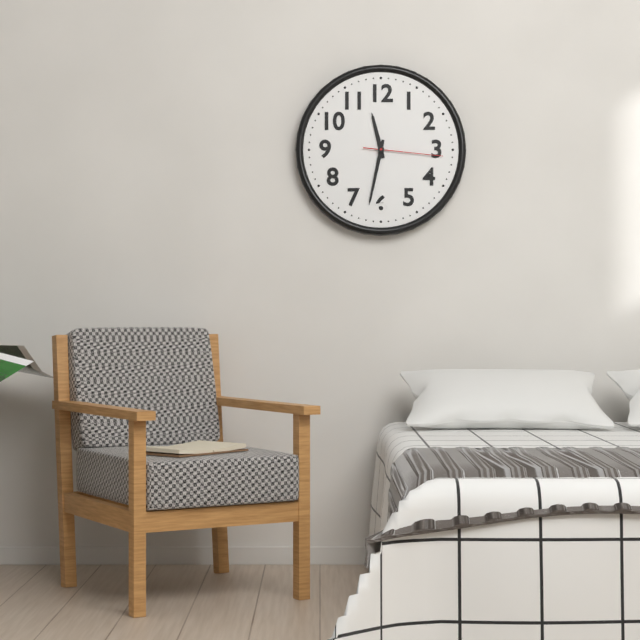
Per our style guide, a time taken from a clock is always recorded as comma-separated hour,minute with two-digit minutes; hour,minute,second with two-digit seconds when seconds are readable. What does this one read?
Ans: 11,32,16
